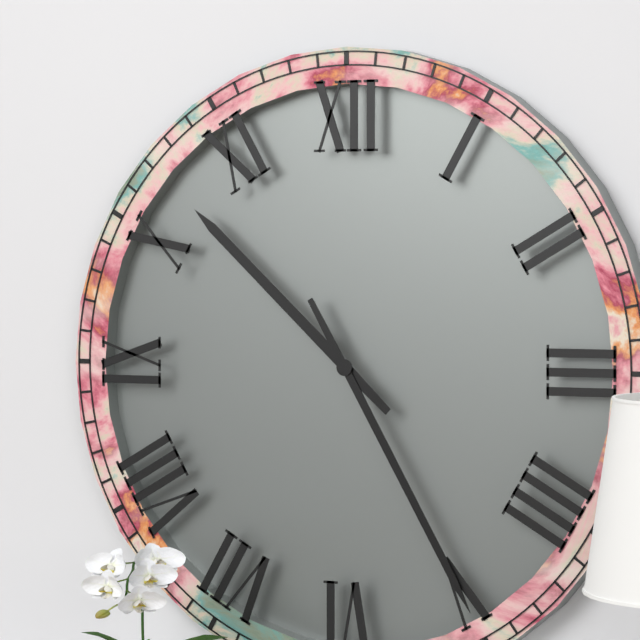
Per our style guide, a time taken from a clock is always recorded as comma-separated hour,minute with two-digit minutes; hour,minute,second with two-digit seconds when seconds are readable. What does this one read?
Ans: 10,25
